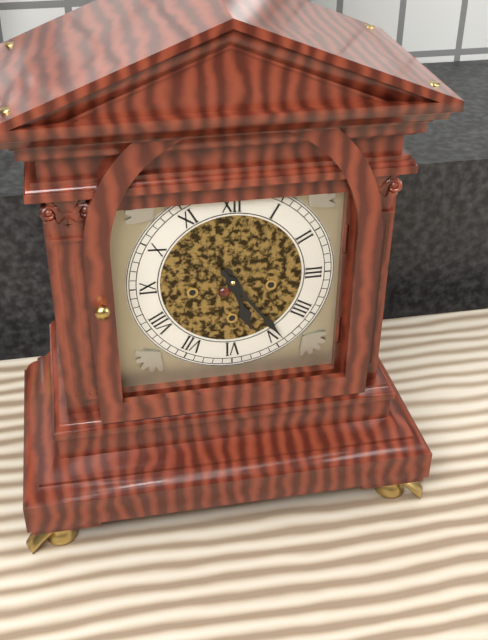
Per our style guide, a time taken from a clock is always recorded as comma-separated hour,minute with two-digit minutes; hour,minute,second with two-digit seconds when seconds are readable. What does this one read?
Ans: 5,24
